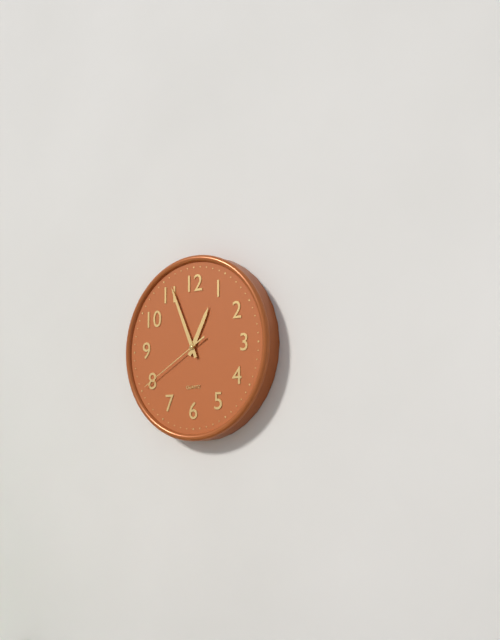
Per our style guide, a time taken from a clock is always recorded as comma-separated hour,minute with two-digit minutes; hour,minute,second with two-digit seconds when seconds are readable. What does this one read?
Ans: 12,56,40
